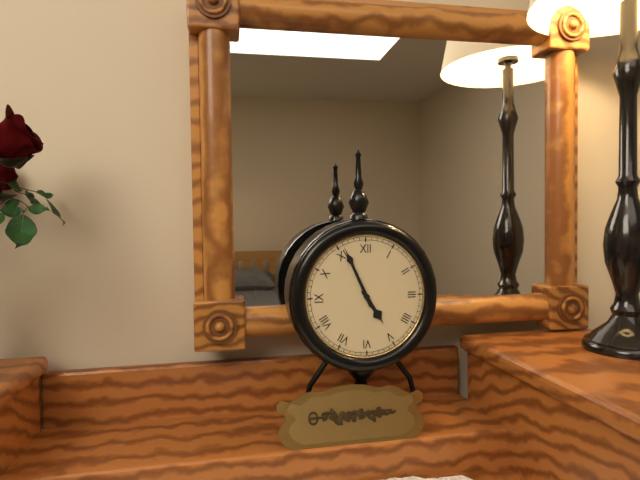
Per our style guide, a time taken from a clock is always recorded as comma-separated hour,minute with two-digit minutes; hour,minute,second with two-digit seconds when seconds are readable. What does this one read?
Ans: 4,56
